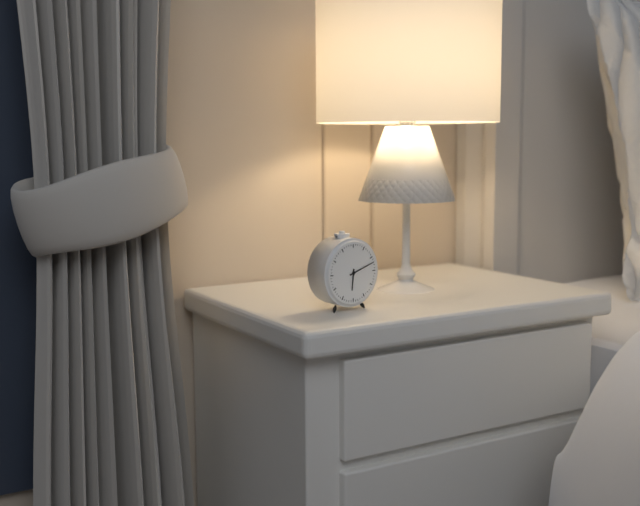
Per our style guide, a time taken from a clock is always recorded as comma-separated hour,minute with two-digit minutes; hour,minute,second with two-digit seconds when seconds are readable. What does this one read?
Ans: 6,12
